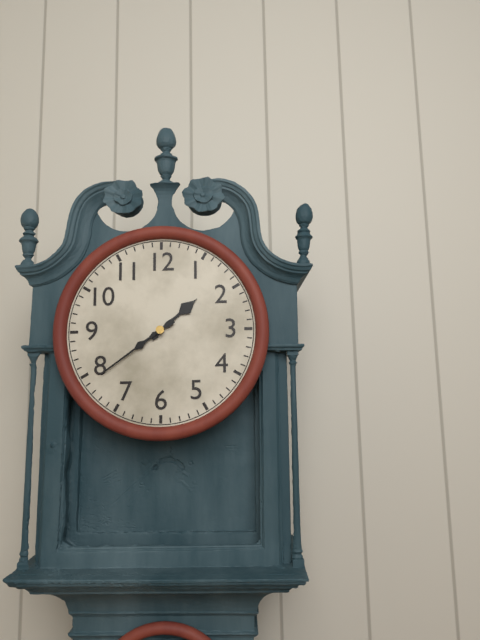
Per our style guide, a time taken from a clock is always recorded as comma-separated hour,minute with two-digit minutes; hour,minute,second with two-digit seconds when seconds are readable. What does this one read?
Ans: 1,39
